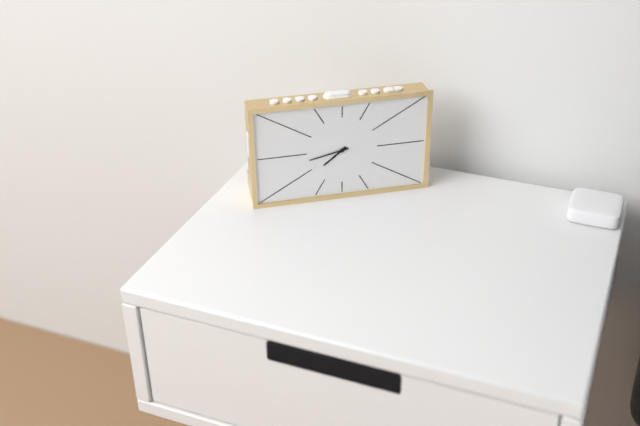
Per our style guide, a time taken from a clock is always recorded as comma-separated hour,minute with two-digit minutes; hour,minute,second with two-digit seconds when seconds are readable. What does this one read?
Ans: 7,43
